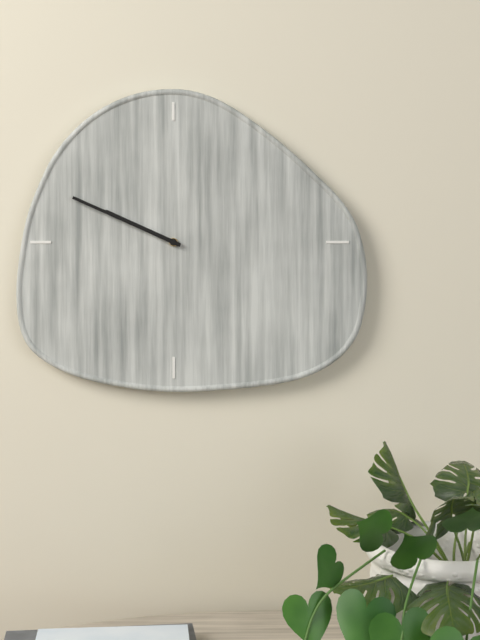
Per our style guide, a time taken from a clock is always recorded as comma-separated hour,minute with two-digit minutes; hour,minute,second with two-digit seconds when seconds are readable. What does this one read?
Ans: 9,49
